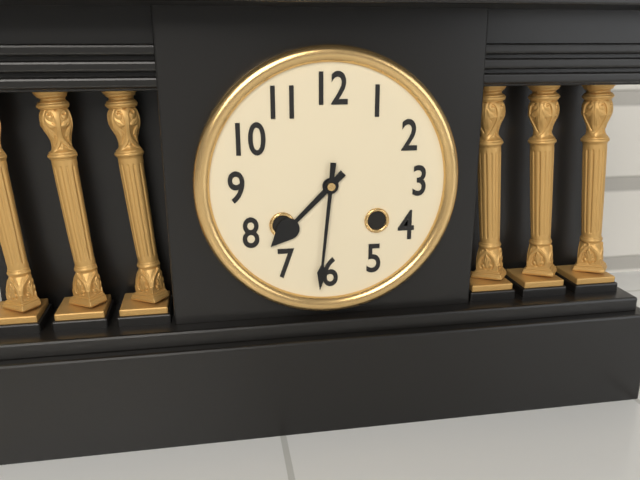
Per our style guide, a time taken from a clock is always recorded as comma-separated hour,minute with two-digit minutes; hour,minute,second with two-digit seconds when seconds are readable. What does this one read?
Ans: 7,31
